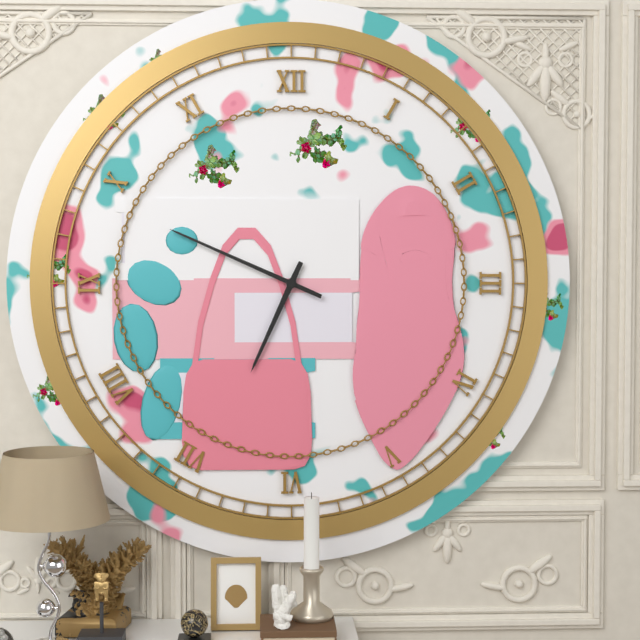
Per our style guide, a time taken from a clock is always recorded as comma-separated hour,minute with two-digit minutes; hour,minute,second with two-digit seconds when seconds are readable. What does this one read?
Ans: 6,49
